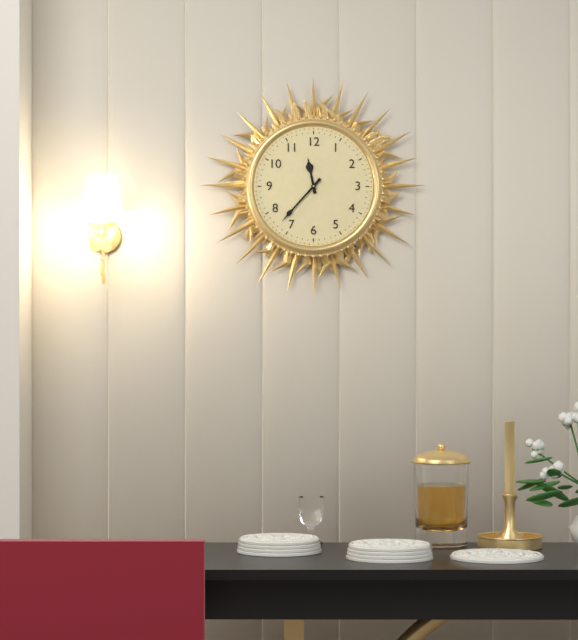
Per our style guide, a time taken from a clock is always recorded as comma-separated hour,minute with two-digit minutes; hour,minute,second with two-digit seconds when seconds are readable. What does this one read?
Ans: 11,37
